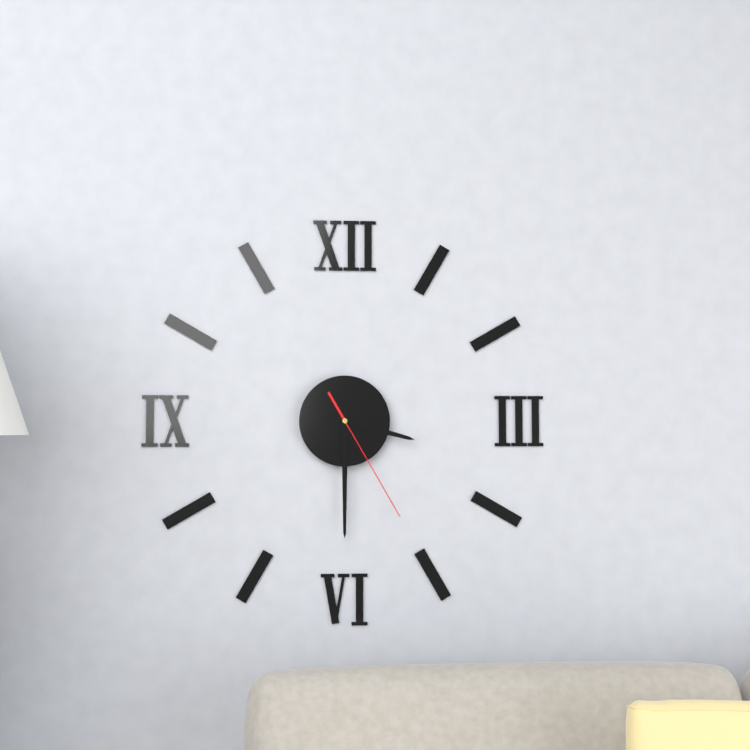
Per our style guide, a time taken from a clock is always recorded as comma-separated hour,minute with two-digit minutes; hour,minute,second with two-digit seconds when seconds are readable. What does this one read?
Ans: 3,30,25
